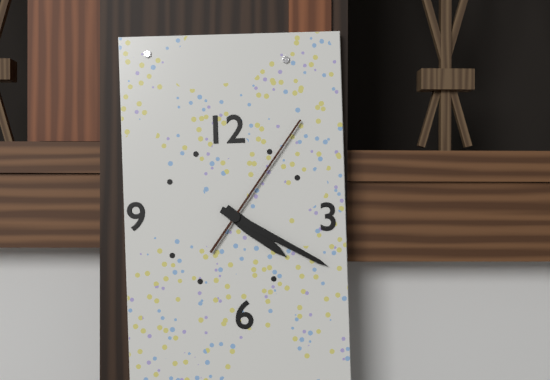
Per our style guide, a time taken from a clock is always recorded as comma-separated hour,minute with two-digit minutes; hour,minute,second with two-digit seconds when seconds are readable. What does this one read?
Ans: 4,20,06
